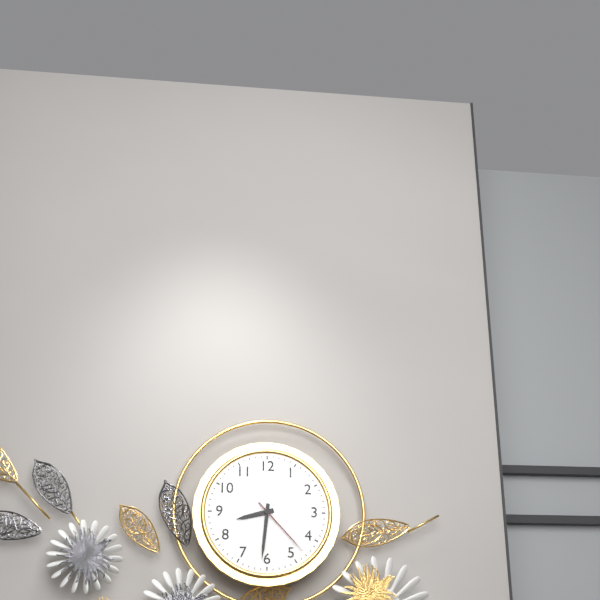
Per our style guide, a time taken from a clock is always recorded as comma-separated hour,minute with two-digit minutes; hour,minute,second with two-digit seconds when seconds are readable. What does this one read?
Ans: 8,31,23
